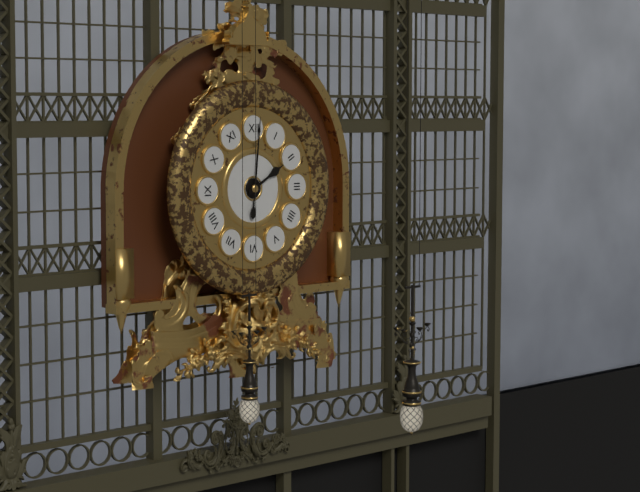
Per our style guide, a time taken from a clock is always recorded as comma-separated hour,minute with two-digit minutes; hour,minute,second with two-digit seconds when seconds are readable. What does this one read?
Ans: 2,01
